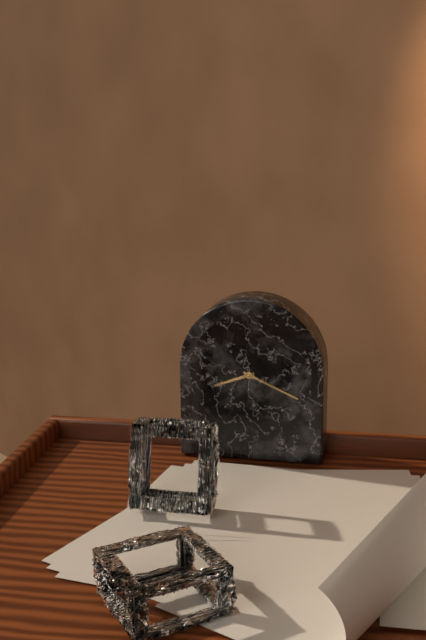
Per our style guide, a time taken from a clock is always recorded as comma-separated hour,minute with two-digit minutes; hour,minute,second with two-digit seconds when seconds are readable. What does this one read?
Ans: 8,19
